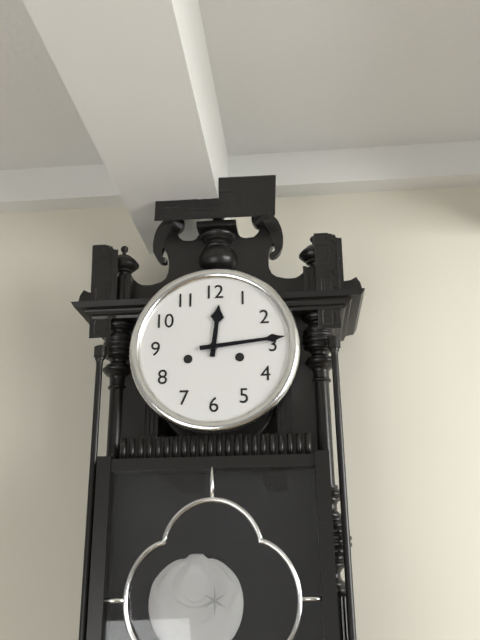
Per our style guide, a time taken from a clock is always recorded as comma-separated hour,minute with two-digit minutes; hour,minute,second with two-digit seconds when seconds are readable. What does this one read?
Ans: 12,14
